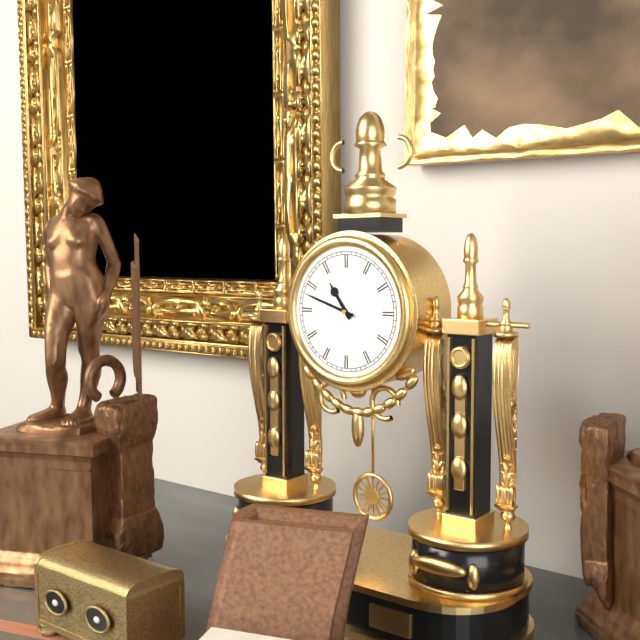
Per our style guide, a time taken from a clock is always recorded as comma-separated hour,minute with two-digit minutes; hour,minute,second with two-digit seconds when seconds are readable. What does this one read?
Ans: 10,48
